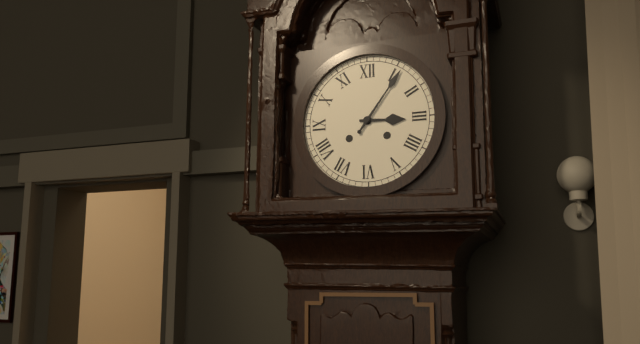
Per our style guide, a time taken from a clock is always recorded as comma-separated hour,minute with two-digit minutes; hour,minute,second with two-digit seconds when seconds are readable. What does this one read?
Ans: 3,06
